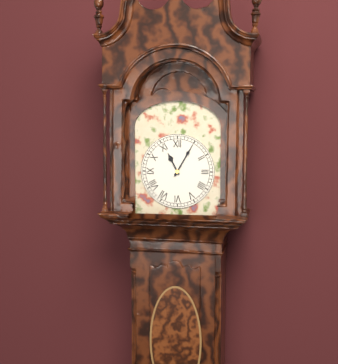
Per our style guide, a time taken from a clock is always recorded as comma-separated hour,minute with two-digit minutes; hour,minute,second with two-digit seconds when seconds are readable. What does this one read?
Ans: 11,05
